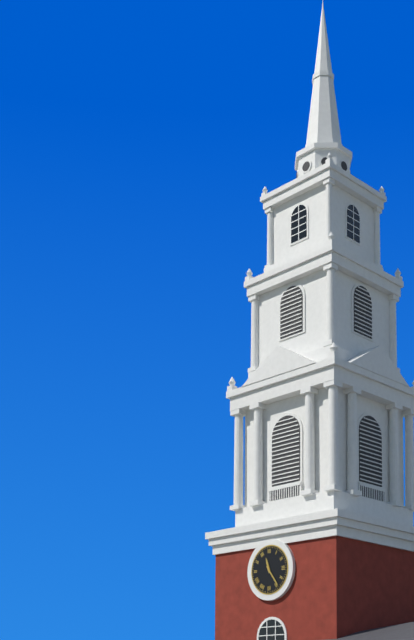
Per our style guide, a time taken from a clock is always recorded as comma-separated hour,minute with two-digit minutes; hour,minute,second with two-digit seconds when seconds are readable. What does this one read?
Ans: 11,24
